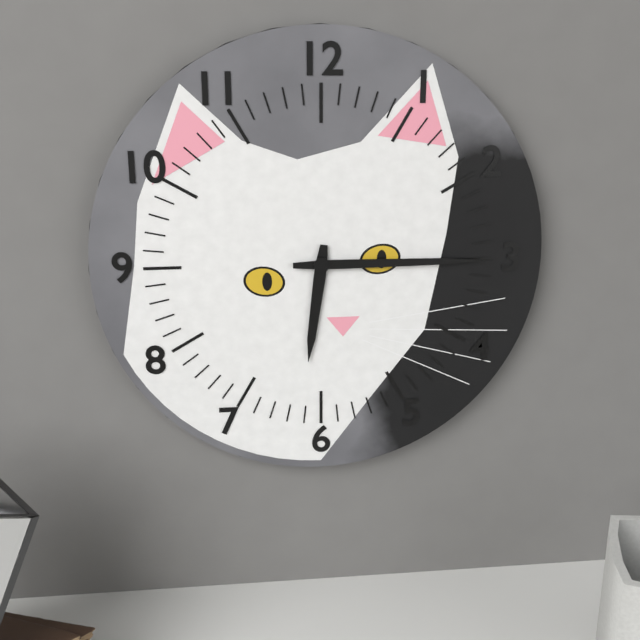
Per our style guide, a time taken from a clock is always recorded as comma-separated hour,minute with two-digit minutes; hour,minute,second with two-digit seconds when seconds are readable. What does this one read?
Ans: 6,15
